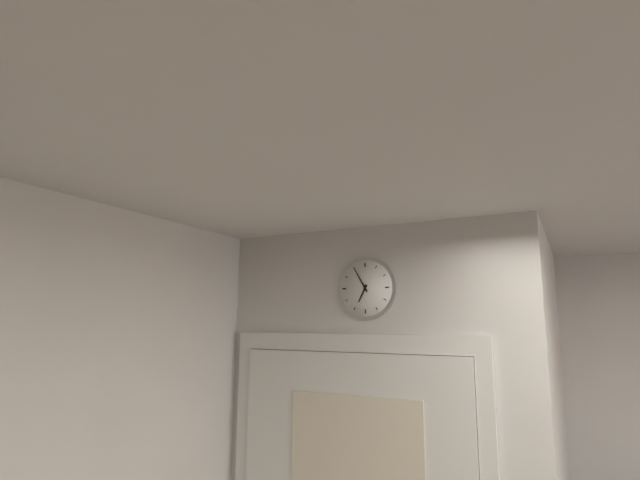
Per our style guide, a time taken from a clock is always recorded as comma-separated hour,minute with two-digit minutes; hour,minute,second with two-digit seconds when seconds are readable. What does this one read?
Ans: 6,55
